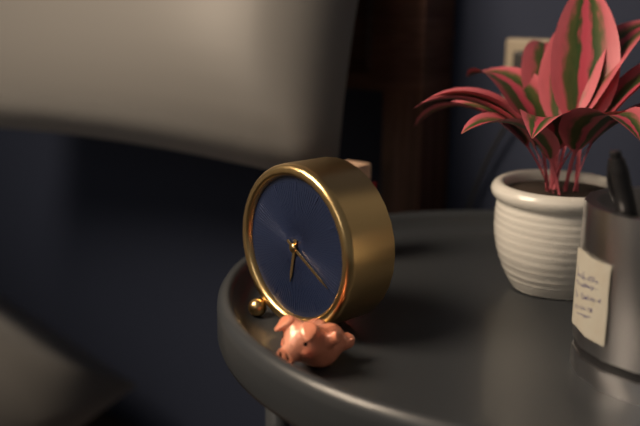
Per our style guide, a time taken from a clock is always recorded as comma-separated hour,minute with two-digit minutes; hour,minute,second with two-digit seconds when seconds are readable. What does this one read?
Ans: 6,20
